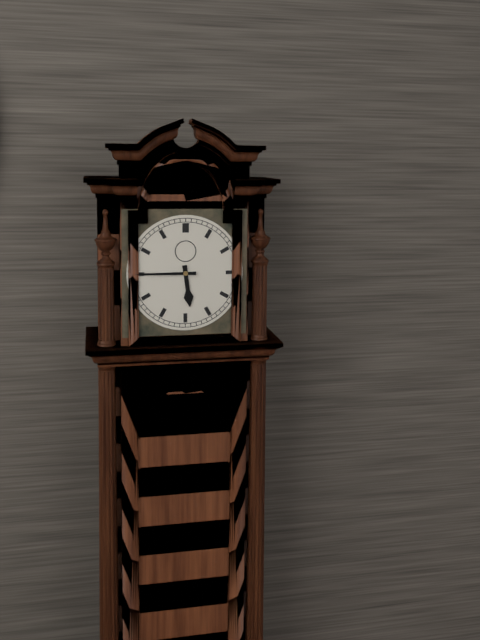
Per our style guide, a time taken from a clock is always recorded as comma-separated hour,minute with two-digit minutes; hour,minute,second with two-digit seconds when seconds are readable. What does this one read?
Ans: 5,45
